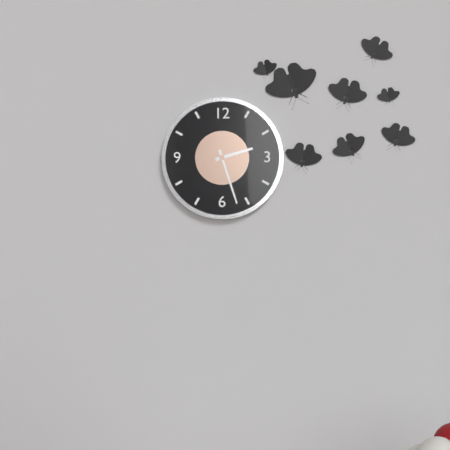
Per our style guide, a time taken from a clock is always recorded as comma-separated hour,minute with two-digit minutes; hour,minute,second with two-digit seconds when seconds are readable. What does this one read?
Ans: 2,27
